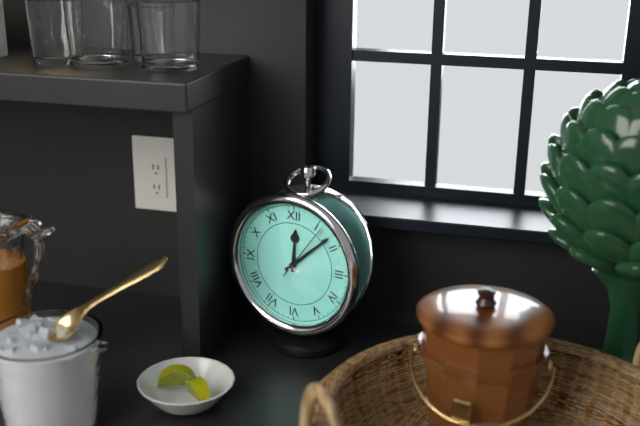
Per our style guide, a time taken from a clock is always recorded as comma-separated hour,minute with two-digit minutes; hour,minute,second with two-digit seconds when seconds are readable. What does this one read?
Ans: 12,08,06
